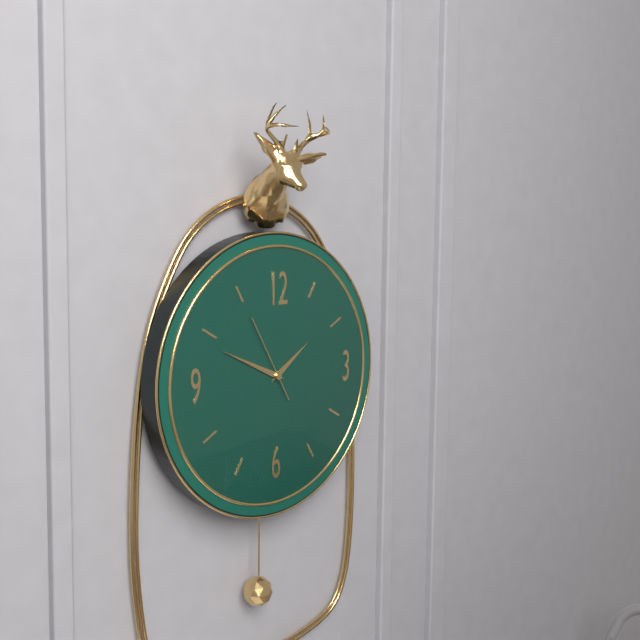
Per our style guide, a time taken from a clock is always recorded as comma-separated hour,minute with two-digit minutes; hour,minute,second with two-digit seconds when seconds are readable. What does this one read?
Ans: 1,49,55
